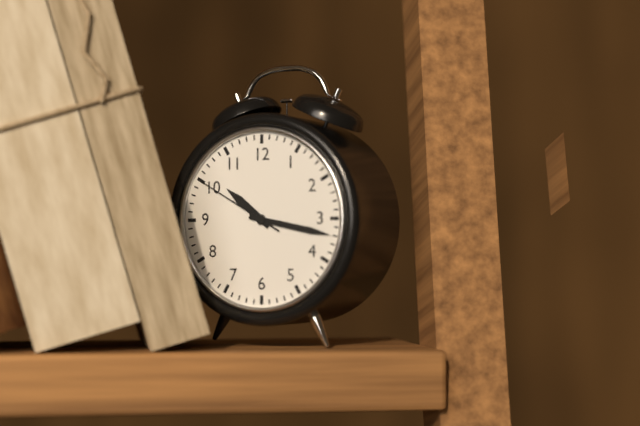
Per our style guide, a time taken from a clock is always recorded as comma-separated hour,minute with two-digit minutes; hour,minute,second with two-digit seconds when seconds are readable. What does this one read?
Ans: 10,17,50
